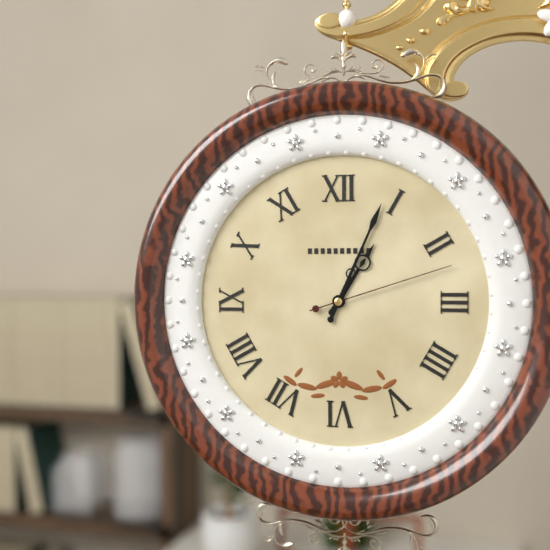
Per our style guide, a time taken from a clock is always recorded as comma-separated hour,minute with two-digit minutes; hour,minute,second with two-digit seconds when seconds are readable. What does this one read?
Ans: 1,04,12
